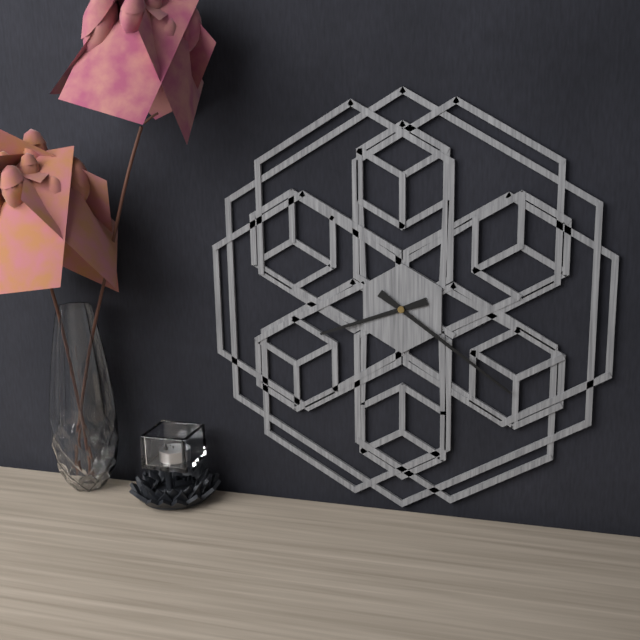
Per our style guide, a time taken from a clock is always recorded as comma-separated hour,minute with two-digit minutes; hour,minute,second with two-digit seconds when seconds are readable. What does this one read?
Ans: 8,21
